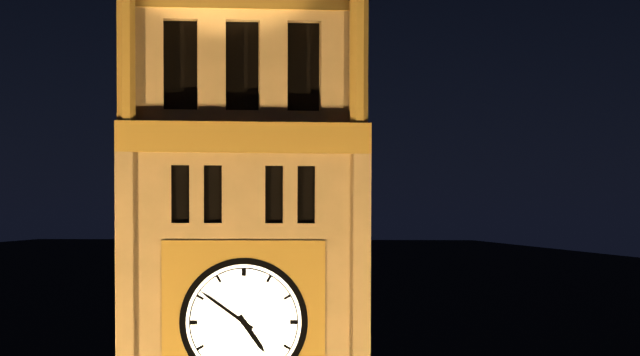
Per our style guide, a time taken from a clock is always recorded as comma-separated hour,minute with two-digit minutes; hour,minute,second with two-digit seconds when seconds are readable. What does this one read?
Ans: 4,51
